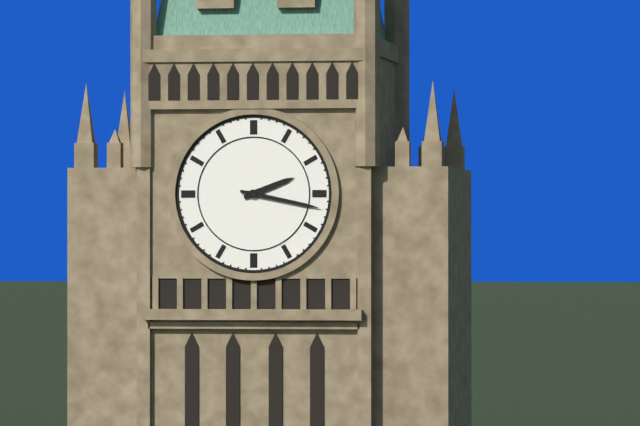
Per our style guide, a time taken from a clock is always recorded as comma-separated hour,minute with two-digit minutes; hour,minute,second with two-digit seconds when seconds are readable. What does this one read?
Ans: 2,17
